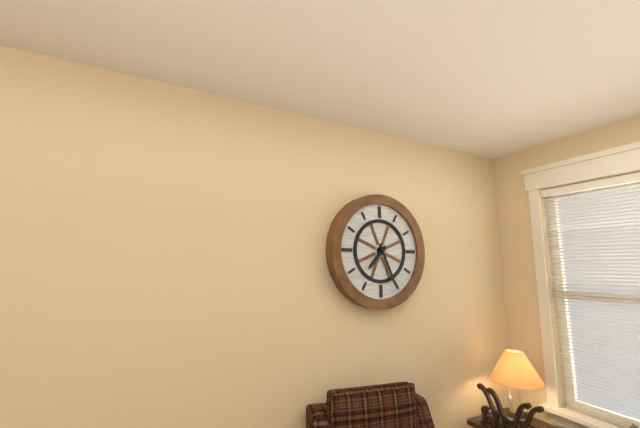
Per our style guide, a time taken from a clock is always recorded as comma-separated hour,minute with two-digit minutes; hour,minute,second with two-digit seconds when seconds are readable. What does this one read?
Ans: 7,26
